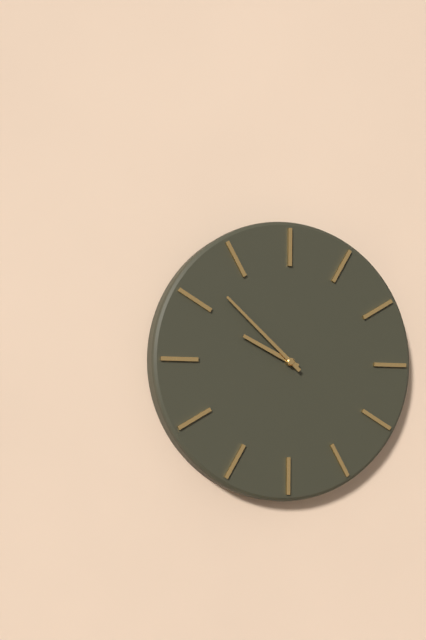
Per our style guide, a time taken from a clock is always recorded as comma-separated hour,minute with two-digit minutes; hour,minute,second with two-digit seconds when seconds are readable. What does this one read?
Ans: 9,52
